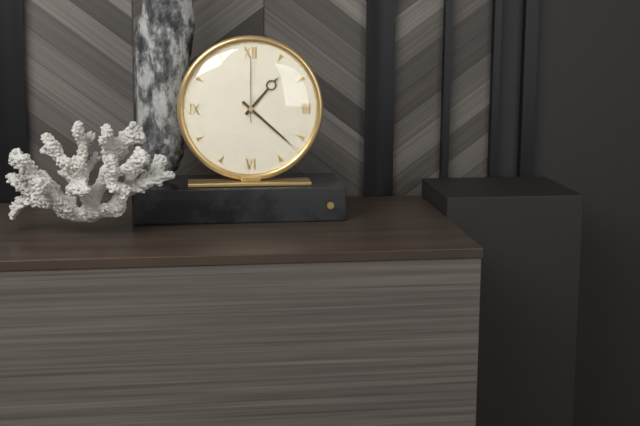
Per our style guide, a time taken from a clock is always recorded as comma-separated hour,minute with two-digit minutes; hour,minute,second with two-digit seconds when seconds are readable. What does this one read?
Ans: 1,22,00
